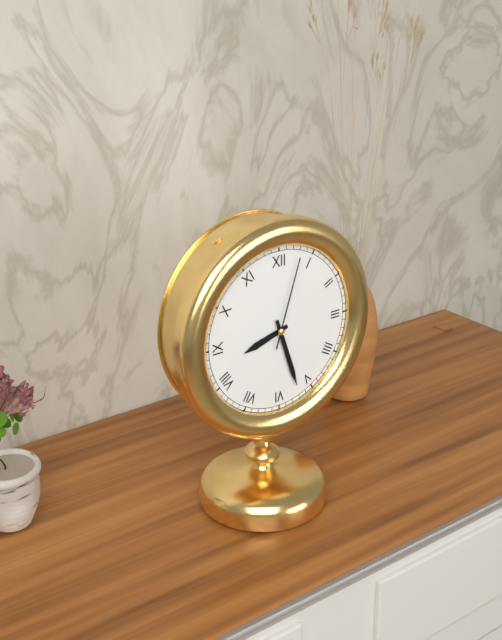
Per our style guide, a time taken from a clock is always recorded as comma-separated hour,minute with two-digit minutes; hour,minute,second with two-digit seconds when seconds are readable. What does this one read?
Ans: 8,27,03
